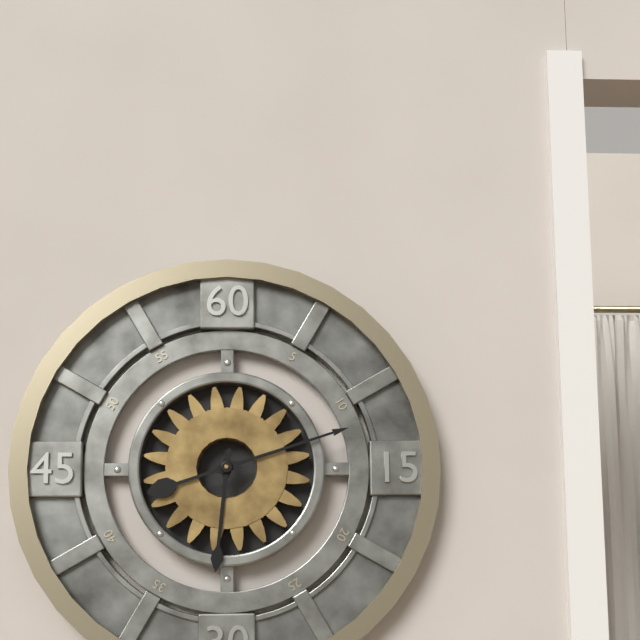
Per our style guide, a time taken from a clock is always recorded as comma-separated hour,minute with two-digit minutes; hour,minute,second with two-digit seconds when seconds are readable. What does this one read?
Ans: 6,12
